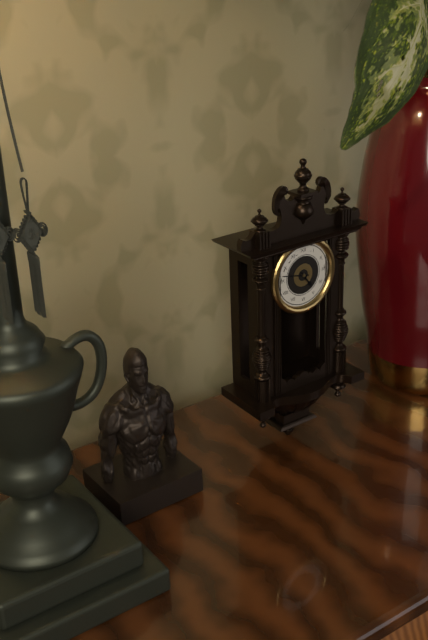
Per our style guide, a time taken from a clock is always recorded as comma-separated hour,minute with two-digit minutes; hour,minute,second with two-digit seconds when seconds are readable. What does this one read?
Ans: 4,47
